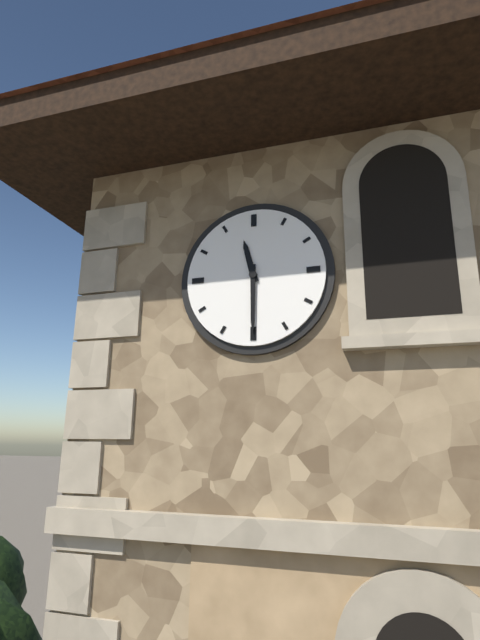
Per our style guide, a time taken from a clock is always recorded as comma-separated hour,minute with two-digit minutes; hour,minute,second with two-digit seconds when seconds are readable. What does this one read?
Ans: 11,30
